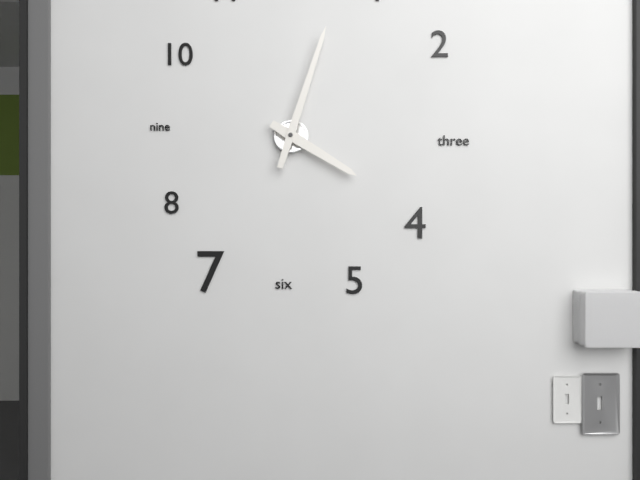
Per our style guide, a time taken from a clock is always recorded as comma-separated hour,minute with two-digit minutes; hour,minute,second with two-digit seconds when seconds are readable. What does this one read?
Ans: 4,03
